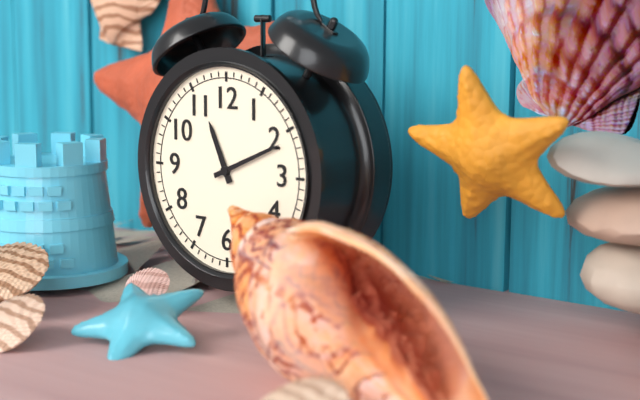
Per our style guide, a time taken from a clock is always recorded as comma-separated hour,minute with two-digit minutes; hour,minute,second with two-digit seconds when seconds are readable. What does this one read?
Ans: 11,11
